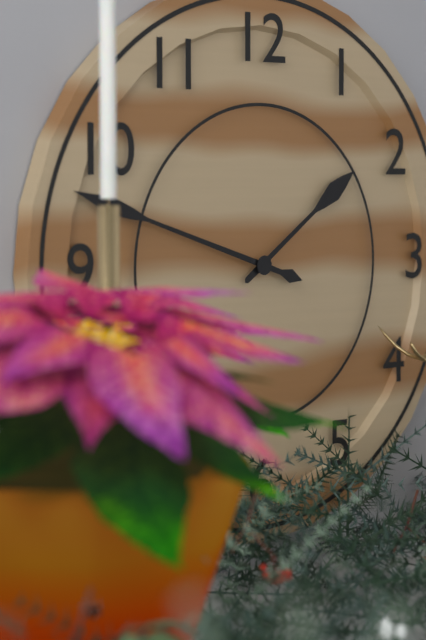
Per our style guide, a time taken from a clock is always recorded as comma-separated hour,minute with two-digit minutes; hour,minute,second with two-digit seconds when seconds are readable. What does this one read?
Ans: 1,48
